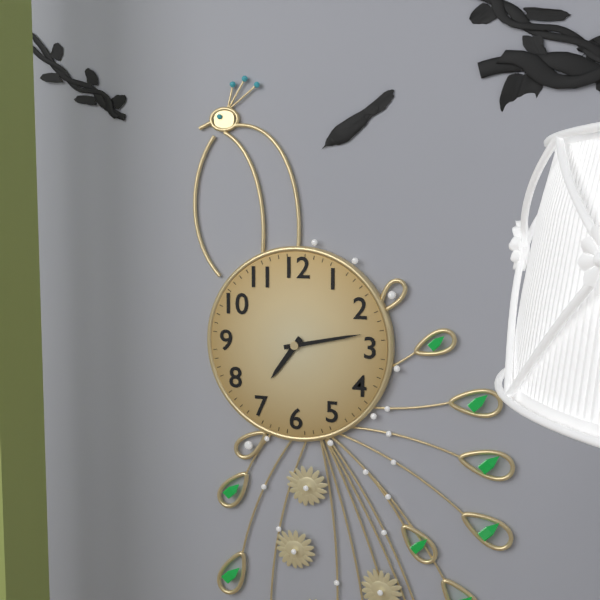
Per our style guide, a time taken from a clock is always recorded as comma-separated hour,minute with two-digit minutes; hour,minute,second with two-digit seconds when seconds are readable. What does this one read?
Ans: 7,13
